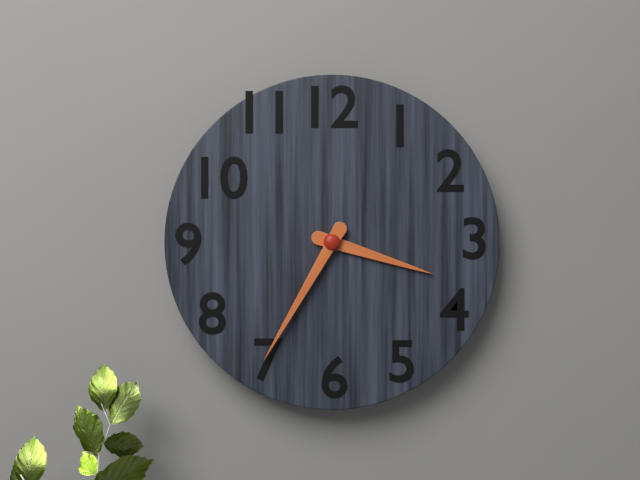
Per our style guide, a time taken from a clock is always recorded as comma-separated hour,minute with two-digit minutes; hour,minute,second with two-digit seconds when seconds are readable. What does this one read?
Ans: 3,35
